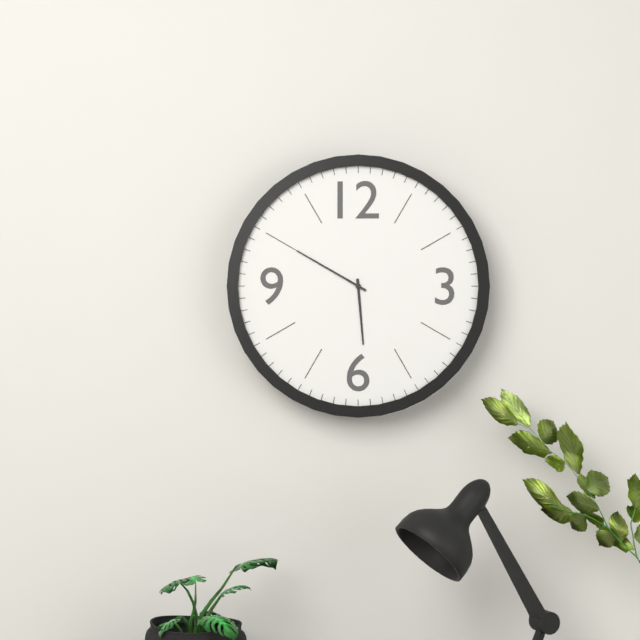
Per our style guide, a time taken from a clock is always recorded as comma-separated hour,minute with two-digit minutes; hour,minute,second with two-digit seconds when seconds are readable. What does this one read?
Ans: 5,50
